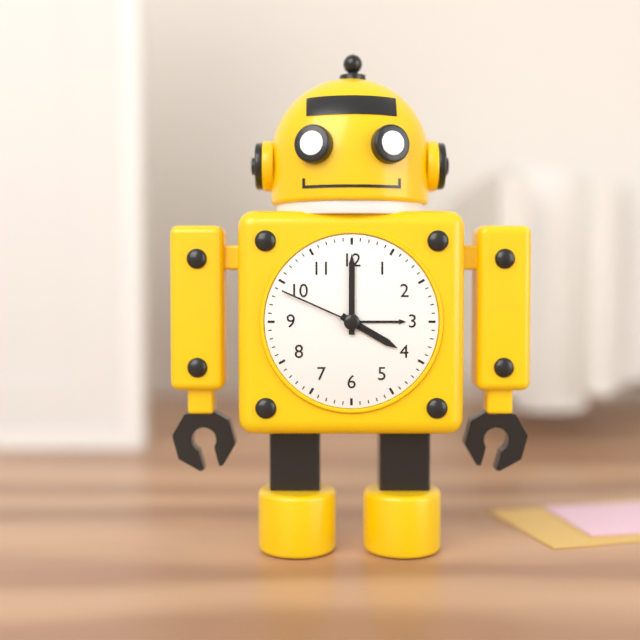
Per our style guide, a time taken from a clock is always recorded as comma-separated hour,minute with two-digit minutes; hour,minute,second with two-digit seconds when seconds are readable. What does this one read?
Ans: 4,00,49
